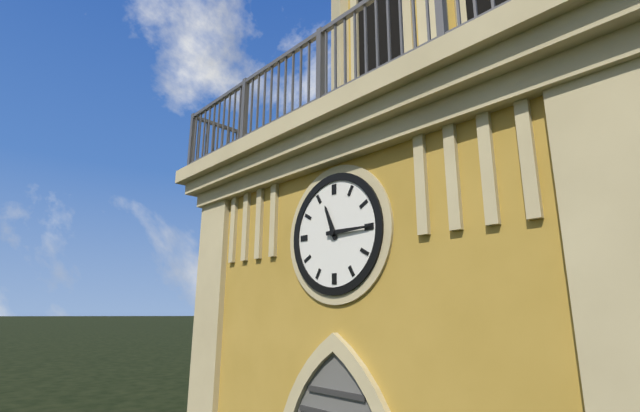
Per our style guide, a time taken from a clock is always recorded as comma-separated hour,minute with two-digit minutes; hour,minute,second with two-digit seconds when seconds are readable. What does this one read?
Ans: 11,15
